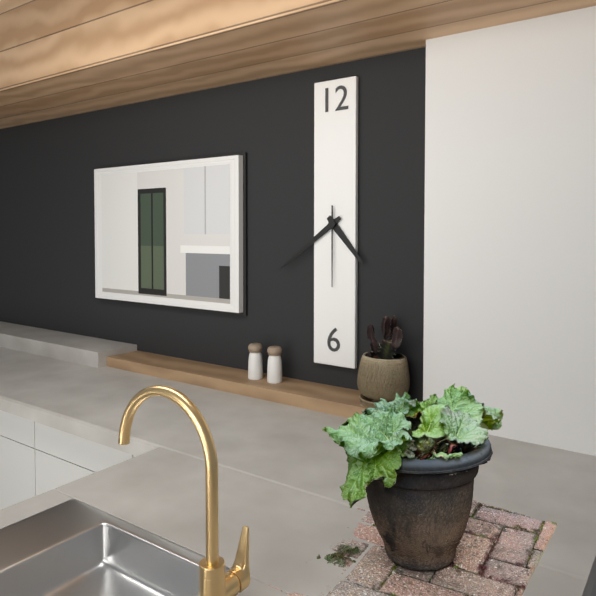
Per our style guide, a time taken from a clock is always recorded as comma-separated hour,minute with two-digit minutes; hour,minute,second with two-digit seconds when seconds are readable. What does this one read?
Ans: 4,39,30
